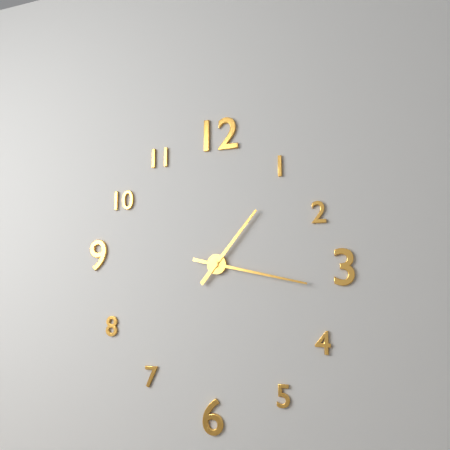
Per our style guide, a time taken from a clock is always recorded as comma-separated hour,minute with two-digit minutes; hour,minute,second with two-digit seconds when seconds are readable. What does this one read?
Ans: 1,17
